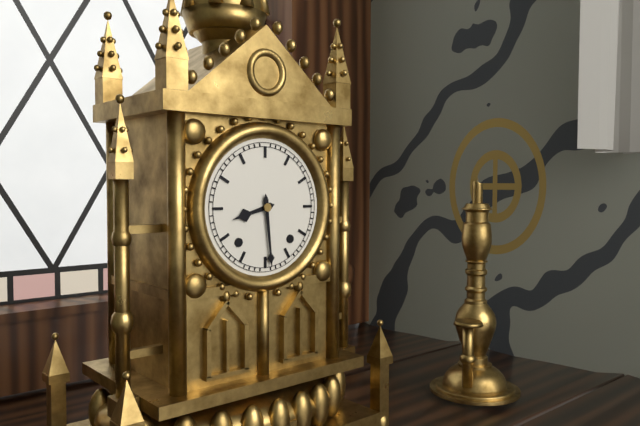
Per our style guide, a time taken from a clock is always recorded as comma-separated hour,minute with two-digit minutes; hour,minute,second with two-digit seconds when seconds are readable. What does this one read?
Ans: 8,29
